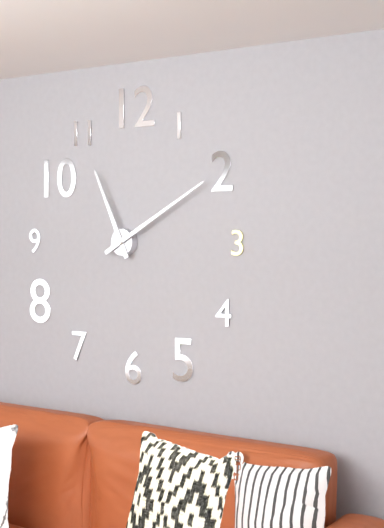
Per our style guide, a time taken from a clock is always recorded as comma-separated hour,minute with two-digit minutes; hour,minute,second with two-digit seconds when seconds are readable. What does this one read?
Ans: 11,10
